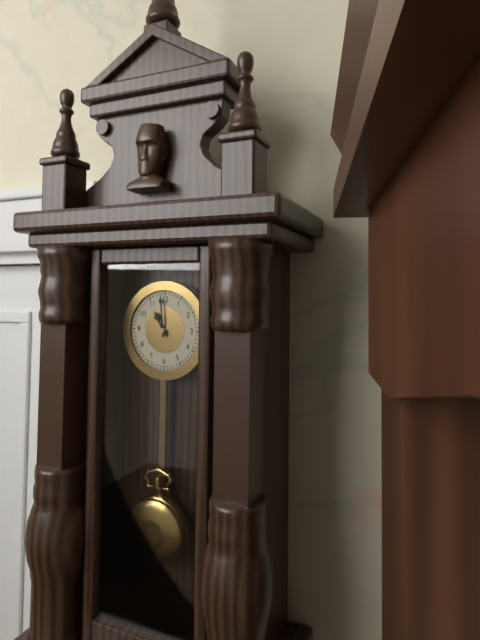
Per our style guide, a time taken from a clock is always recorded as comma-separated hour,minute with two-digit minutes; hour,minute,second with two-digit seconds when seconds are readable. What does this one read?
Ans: 10,59
